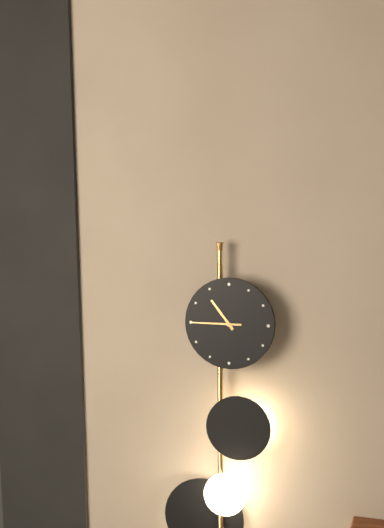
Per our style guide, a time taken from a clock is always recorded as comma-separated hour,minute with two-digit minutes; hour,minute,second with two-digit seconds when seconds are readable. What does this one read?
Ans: 10,45
